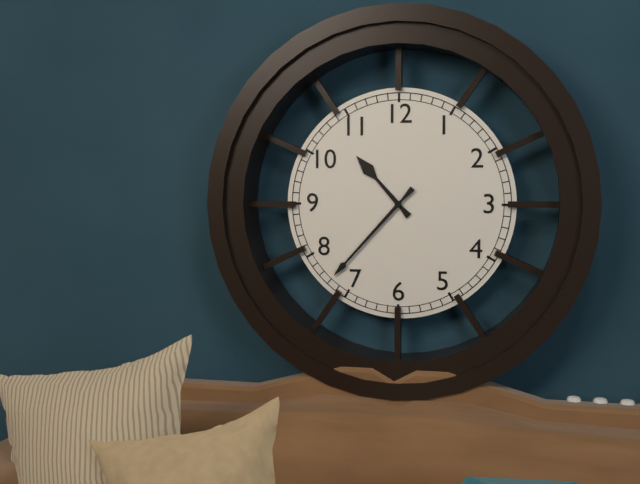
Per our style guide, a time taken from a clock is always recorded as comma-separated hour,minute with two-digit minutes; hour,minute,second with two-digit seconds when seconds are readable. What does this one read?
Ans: 10,37
